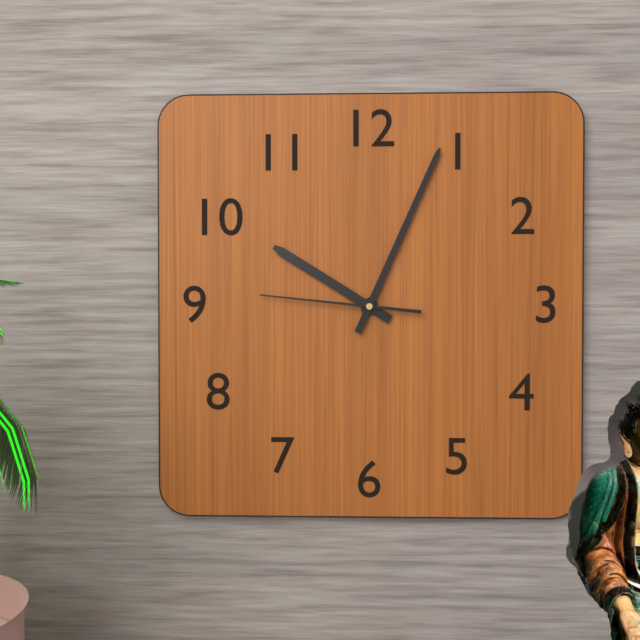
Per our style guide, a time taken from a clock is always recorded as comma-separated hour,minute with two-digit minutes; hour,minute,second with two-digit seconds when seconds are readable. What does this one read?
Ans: 10,04,46
